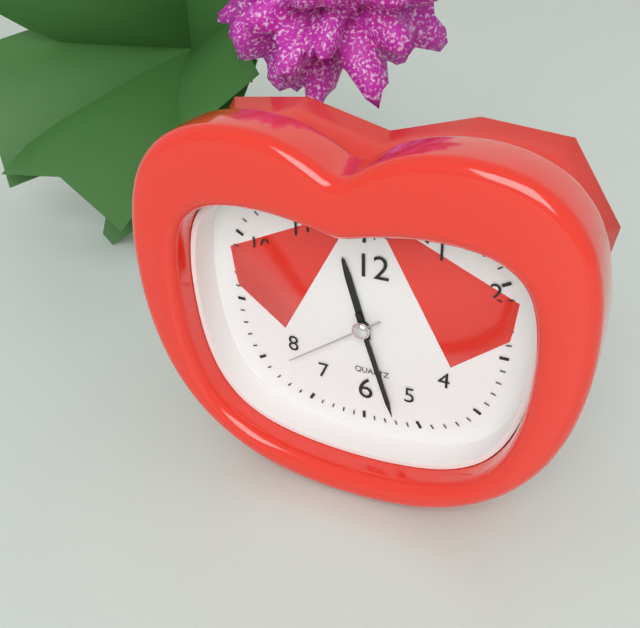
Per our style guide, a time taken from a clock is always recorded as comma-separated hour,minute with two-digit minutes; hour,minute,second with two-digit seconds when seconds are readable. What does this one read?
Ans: 11,27,39
